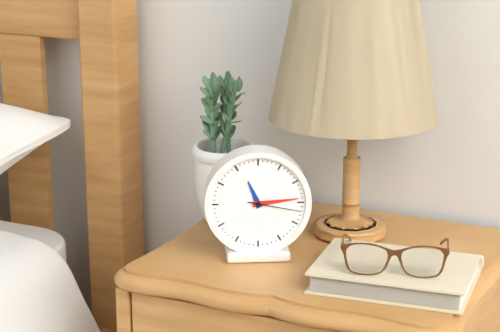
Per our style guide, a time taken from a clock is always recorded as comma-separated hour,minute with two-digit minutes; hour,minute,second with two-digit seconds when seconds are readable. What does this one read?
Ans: 11,14,17
